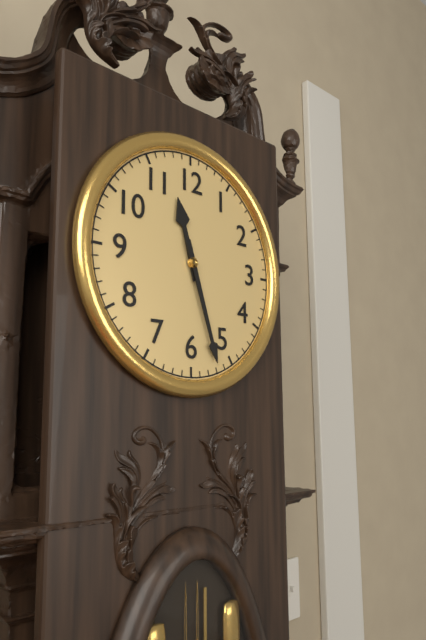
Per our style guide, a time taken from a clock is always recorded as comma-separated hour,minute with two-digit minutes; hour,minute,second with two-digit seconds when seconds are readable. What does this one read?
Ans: 11,27
